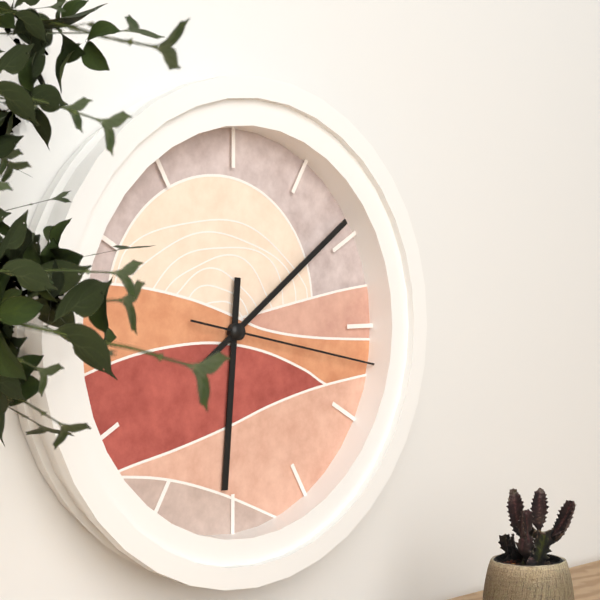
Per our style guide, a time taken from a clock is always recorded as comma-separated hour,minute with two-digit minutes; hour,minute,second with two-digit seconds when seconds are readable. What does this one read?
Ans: 6,09,17
